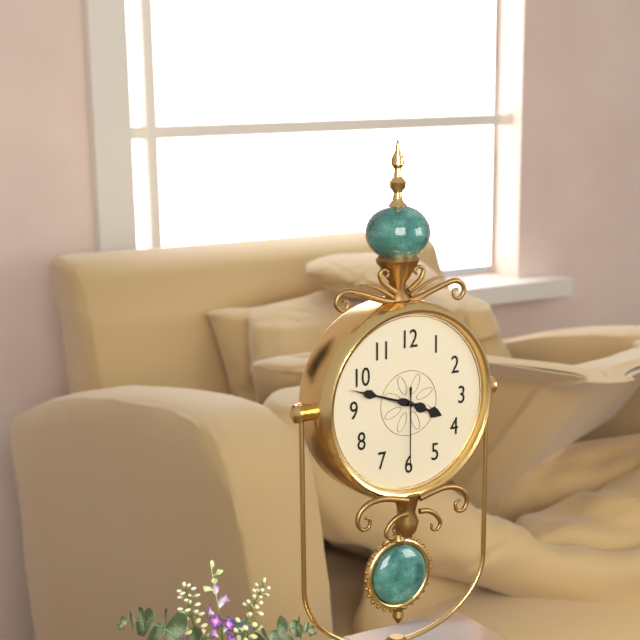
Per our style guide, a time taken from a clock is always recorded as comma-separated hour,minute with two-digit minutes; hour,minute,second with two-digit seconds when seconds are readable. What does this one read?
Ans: 3,48,30
